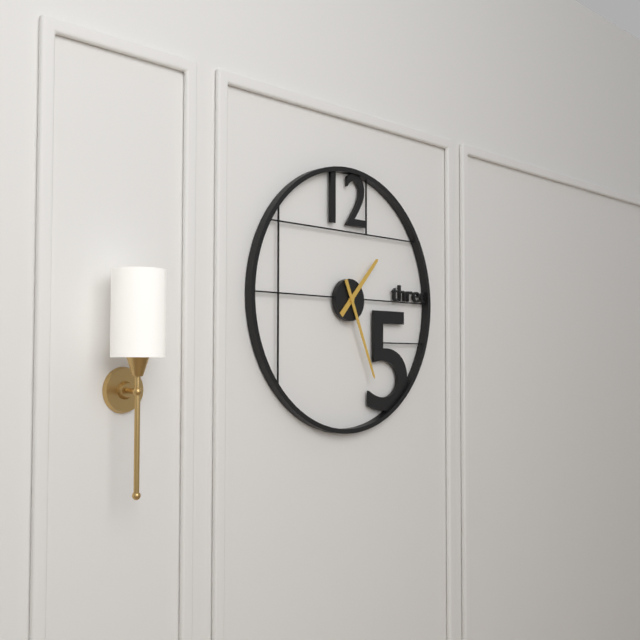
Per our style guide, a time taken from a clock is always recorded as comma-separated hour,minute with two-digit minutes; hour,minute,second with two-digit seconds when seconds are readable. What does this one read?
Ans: 1,26
